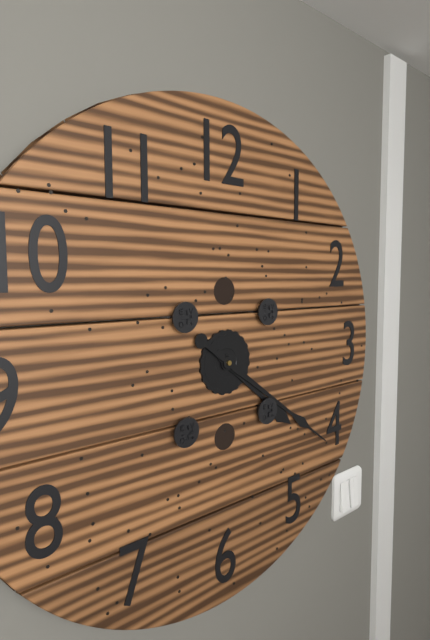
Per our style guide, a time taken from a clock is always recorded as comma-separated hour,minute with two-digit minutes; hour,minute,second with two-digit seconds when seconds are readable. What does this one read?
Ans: 4,21
